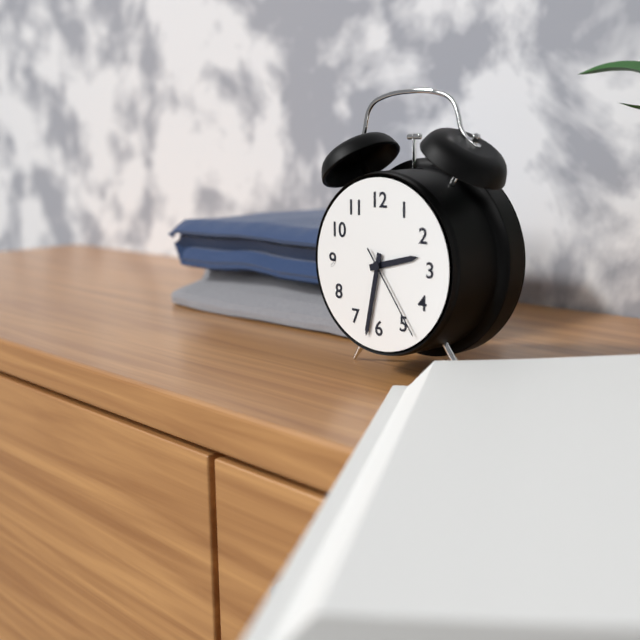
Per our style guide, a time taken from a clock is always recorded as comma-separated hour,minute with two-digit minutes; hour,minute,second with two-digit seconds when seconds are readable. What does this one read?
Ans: 2,32,24
